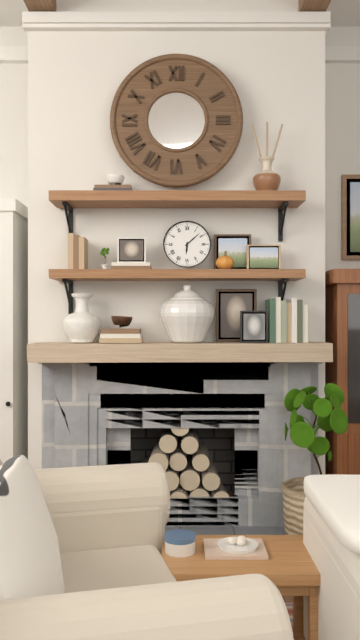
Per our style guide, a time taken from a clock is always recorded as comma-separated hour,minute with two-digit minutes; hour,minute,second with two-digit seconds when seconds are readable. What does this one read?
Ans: 6,08
